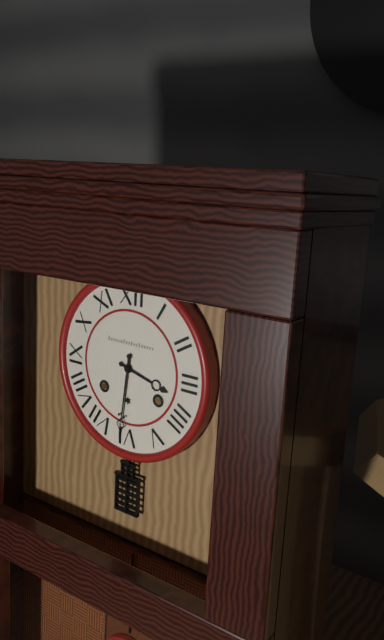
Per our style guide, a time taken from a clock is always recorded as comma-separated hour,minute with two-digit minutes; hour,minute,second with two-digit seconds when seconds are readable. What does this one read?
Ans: 3,31
